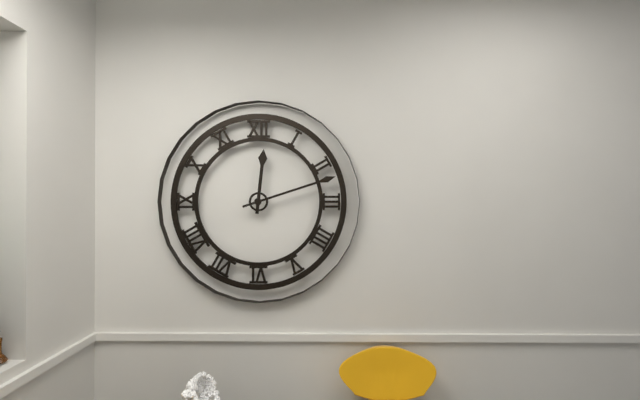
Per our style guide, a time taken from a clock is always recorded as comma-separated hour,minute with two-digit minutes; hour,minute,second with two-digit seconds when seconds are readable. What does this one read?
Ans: 12,12
